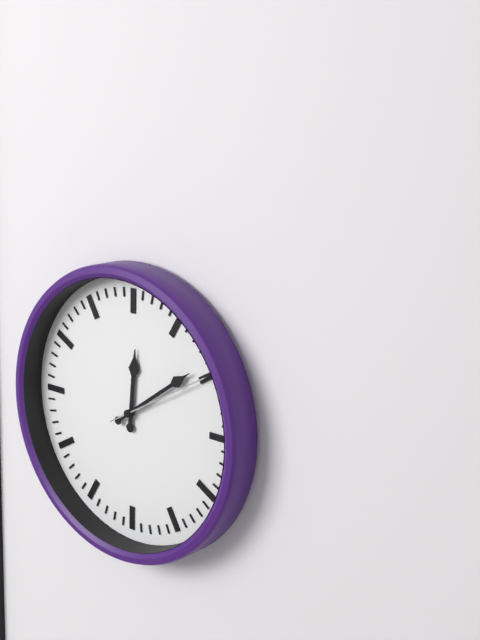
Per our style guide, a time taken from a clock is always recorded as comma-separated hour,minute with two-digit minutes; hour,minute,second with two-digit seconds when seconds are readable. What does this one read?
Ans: 12,09,10
